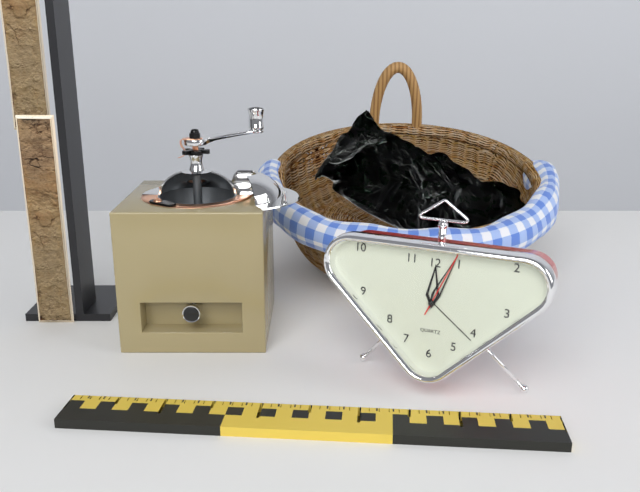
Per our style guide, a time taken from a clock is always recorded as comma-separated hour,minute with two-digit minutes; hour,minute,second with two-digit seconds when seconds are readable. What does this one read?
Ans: 12,04,04
